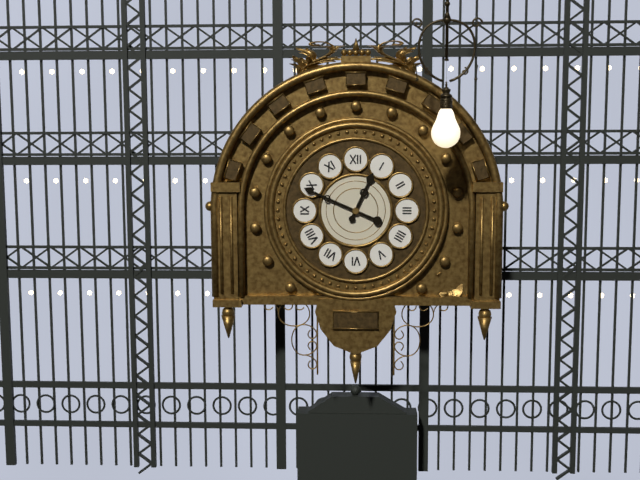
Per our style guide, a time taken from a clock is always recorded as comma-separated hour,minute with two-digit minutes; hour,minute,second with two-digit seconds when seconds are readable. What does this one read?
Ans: 12,49
